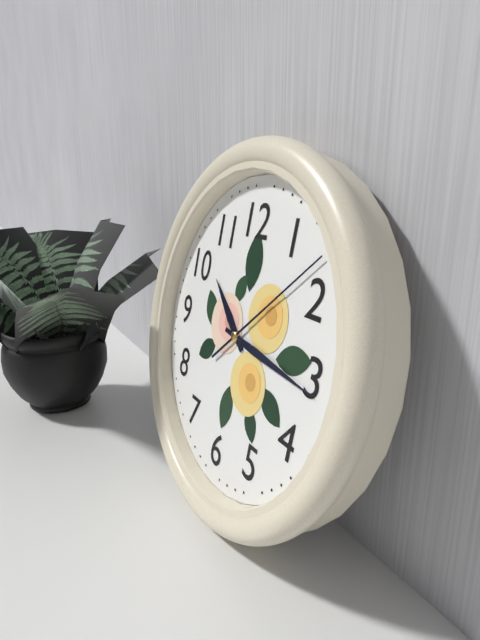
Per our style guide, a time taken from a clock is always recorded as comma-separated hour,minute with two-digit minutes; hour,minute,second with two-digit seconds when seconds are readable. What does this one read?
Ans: 10,16,08
